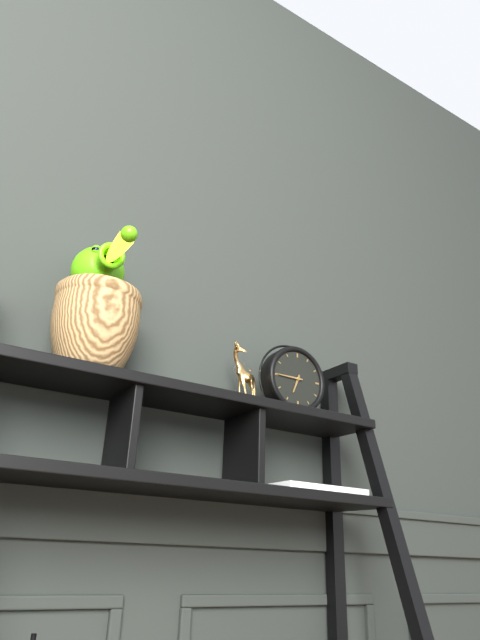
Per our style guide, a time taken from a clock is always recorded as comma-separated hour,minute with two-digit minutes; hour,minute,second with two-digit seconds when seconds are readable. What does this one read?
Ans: 6,45
